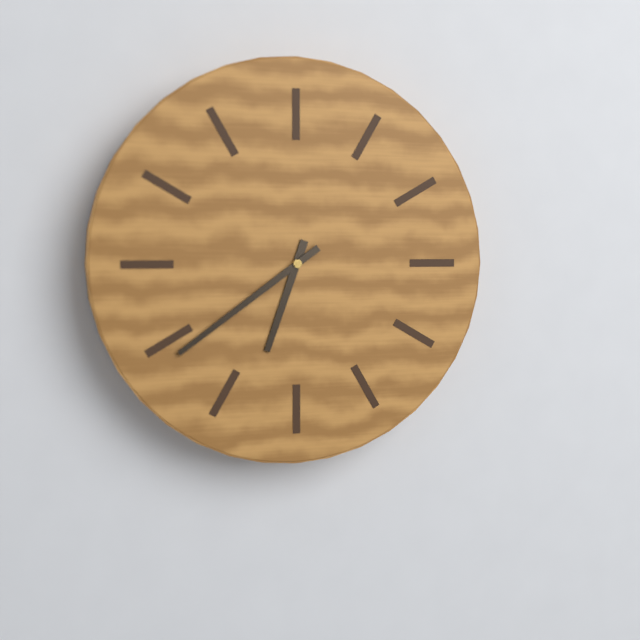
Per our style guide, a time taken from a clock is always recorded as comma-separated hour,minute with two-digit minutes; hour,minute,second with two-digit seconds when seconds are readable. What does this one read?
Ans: 6,39
